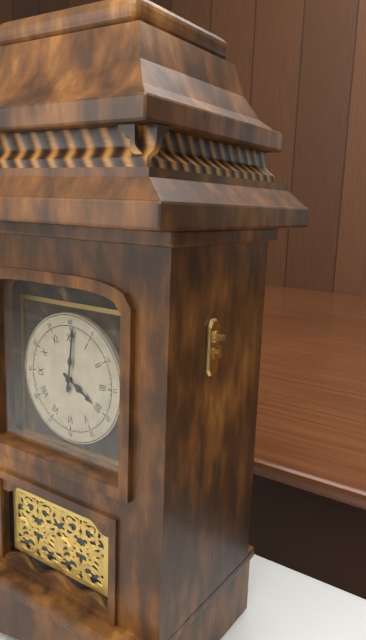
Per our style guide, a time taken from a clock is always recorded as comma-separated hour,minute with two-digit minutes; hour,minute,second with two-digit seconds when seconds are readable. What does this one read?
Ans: 4,01
